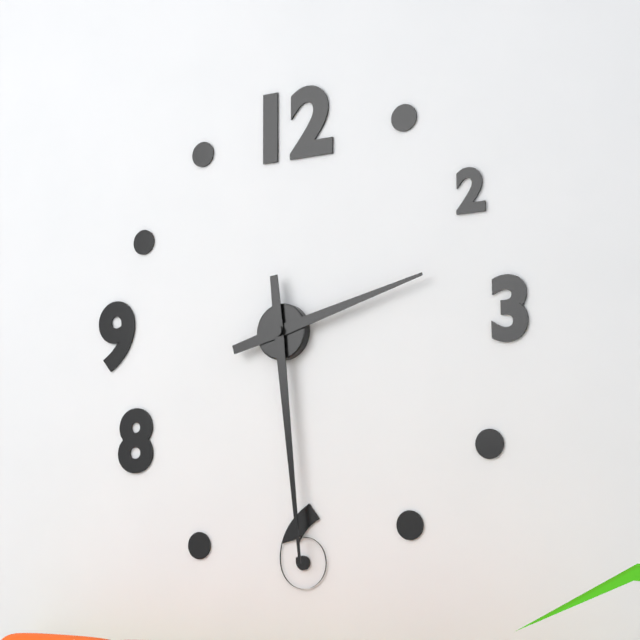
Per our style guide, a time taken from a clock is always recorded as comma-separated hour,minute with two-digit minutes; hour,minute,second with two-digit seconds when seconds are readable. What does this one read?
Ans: 2,29
